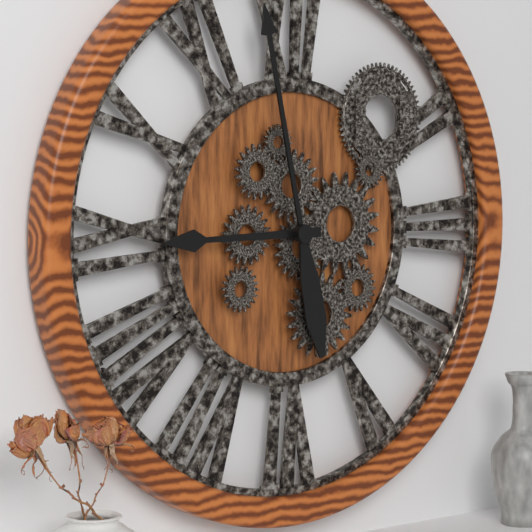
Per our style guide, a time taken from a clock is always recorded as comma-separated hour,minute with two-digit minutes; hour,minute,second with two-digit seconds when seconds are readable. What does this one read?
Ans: 8,58
